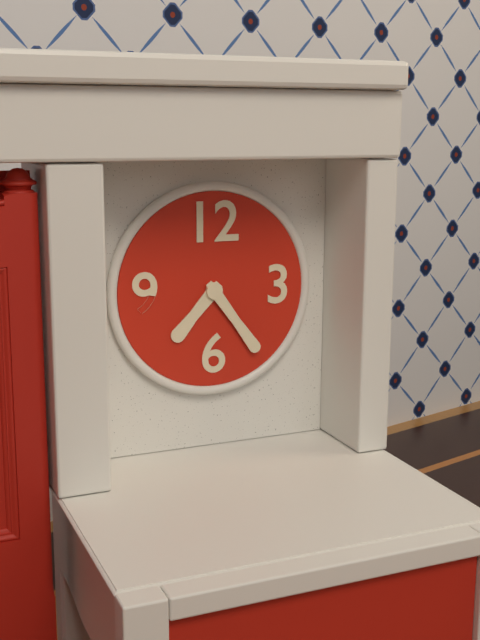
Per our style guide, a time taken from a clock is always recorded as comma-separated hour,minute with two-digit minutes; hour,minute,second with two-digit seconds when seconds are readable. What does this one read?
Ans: 7,24
